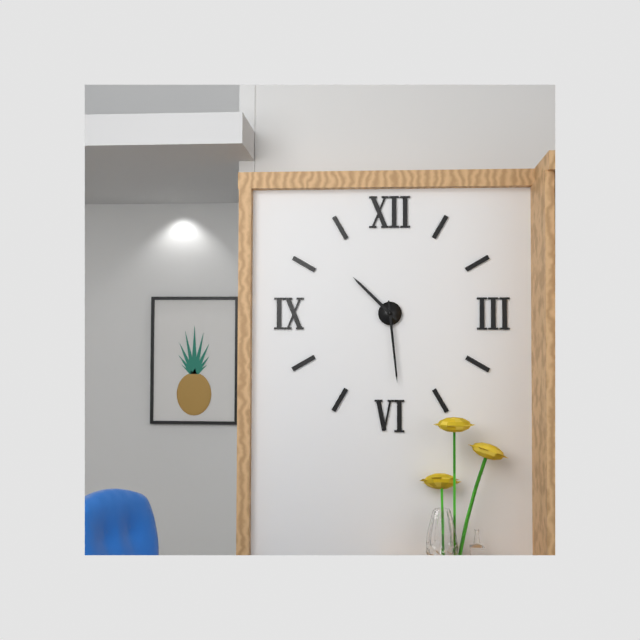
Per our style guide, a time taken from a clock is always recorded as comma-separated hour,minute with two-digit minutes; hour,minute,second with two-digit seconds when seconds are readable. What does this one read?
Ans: 10,29
